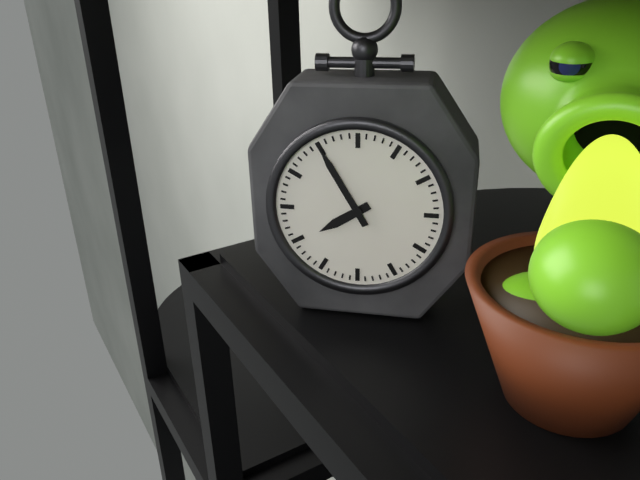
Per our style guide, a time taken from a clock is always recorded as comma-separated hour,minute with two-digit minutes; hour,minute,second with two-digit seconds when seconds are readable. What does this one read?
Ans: 7,55
